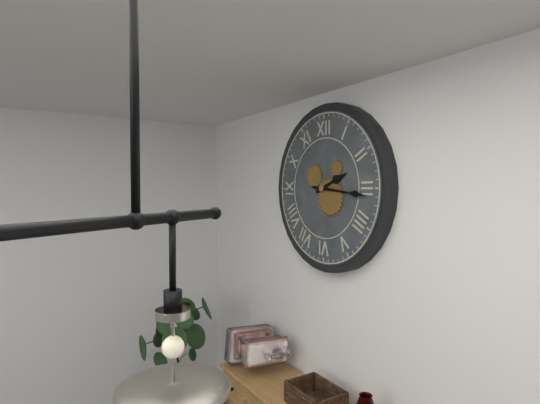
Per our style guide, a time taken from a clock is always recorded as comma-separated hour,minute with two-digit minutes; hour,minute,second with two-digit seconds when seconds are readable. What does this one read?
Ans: 2,16
